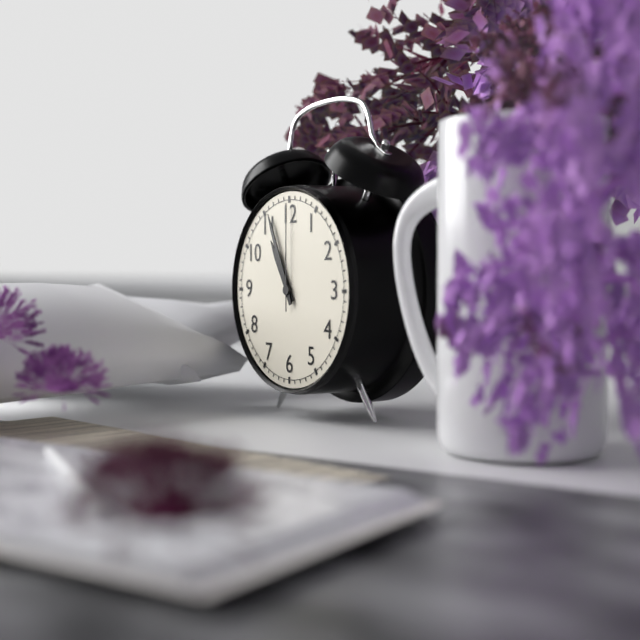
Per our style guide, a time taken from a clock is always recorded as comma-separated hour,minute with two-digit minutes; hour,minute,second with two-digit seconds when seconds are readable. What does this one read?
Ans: 10,56,00
